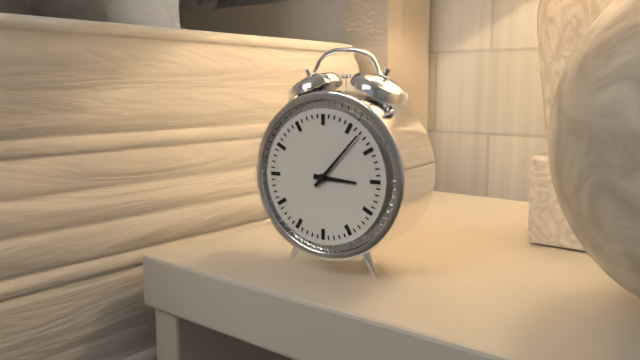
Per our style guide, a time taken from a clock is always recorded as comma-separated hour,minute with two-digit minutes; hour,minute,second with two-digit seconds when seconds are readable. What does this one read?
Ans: 3,07
